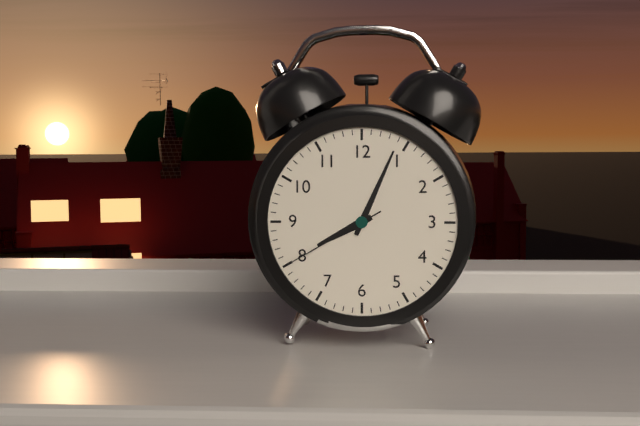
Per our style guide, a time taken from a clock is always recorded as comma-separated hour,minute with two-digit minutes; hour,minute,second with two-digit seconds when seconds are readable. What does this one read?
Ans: 8,04,40
